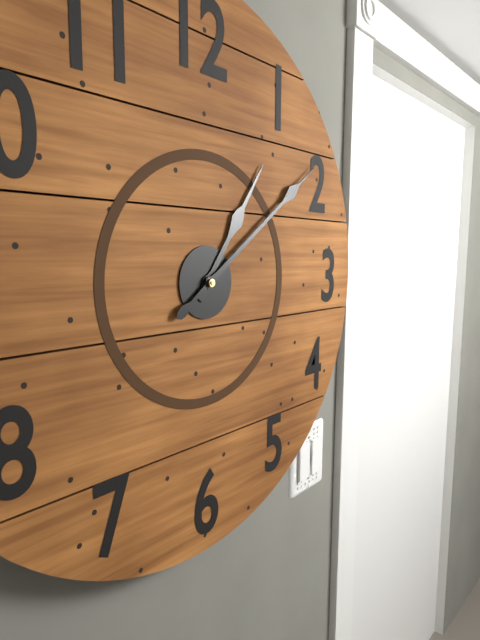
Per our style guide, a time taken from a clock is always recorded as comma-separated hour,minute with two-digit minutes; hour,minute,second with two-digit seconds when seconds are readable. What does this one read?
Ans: 1,09
